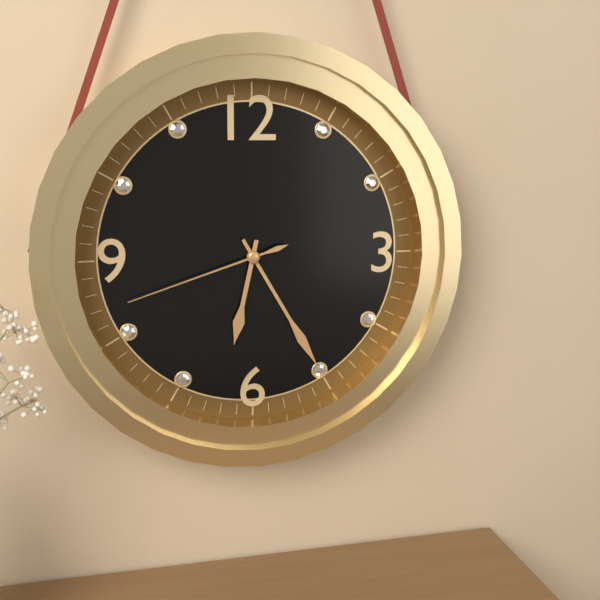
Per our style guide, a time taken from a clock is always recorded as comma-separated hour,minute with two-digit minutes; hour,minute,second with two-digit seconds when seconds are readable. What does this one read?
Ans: 6,25,42
